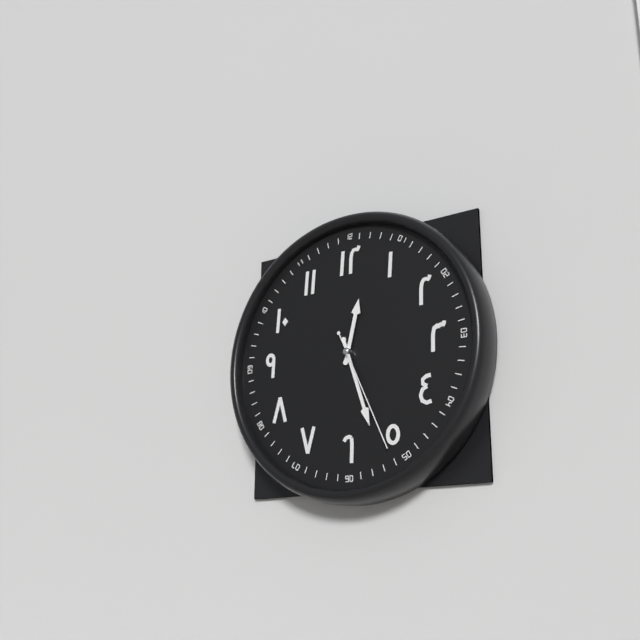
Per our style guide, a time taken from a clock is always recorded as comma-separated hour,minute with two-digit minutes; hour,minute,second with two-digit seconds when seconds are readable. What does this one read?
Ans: 12,27,26
